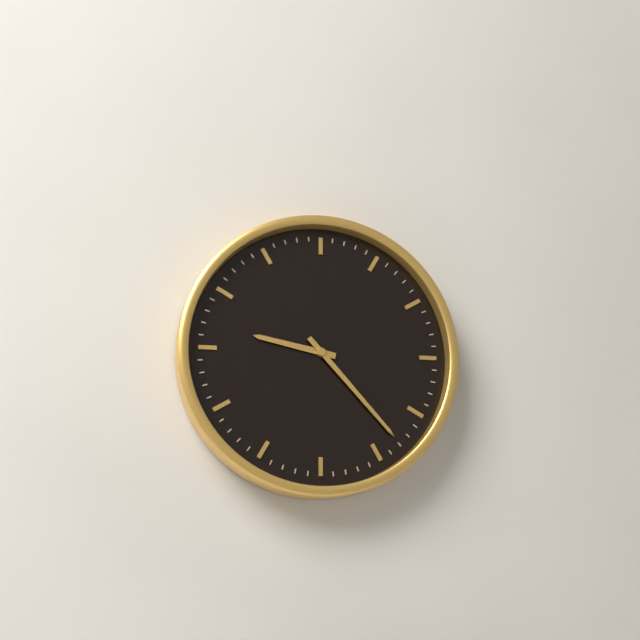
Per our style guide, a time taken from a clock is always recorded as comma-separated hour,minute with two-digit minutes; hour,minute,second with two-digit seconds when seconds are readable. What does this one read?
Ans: 9,23
